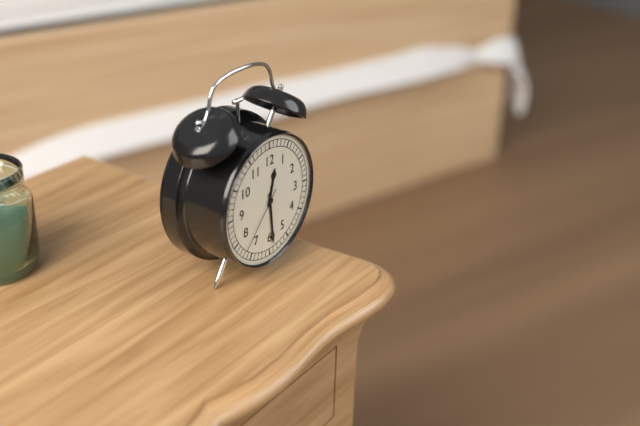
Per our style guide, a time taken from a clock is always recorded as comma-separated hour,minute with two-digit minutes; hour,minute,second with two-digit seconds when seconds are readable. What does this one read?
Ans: 12,29,37
